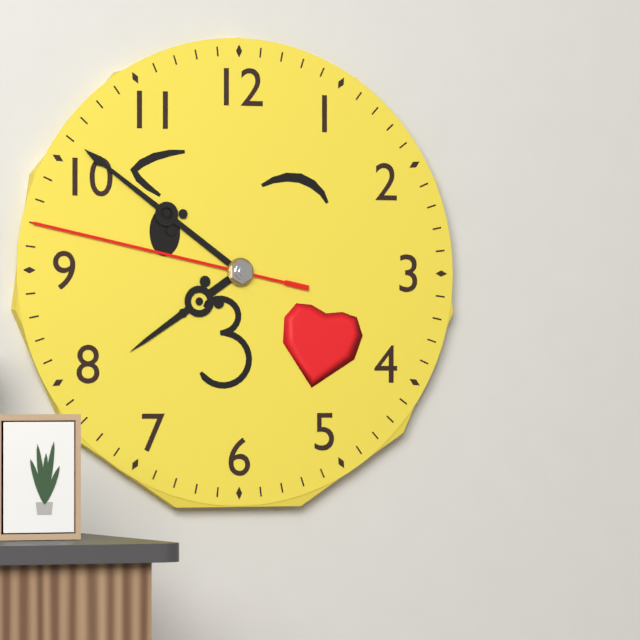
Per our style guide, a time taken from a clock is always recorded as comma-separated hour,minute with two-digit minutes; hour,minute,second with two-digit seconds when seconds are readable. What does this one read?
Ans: 7,51,47
